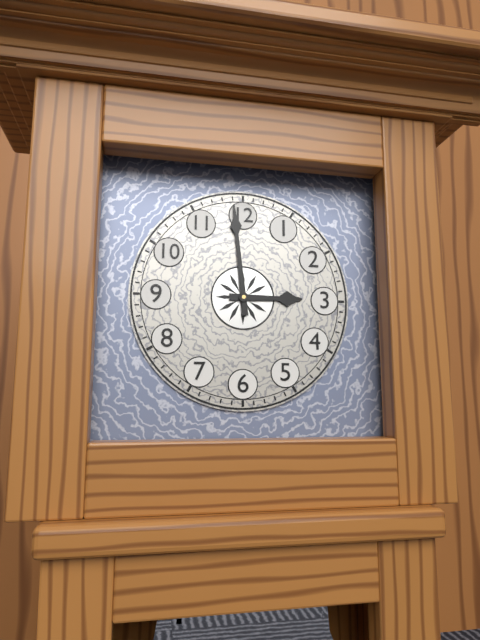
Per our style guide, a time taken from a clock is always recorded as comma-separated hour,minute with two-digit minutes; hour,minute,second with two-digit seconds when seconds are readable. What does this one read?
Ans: 2,59
